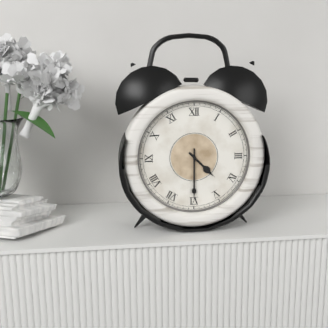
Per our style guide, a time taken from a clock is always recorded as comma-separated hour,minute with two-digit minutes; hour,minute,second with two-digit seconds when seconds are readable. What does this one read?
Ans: 4,30
